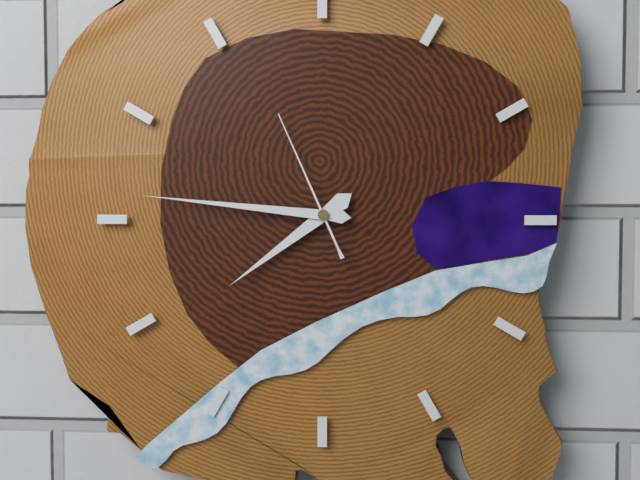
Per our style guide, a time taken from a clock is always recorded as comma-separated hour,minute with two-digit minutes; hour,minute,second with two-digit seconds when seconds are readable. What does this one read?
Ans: 7,46,56
